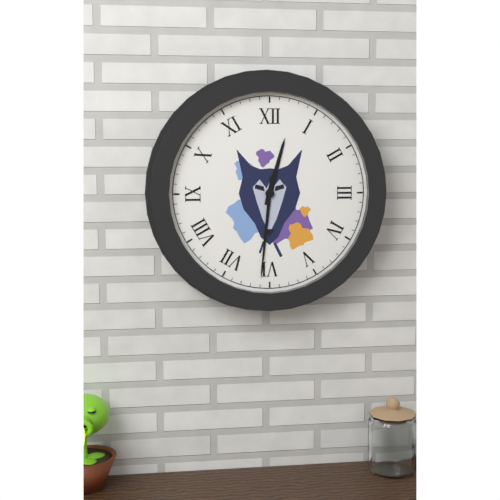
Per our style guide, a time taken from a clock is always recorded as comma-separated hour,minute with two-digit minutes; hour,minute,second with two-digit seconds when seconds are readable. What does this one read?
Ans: 12,31
